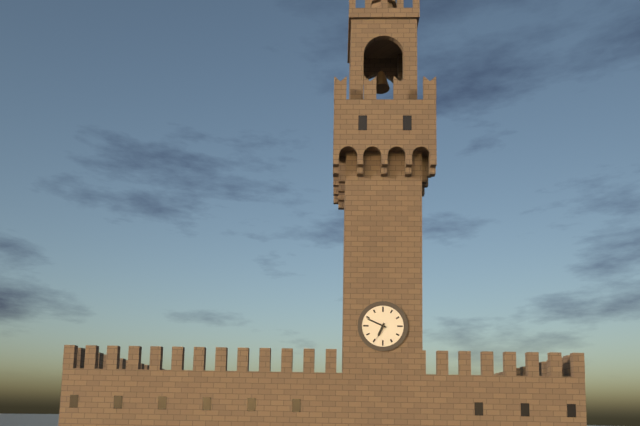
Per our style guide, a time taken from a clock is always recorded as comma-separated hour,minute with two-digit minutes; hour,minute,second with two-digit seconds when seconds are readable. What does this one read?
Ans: 6,49
